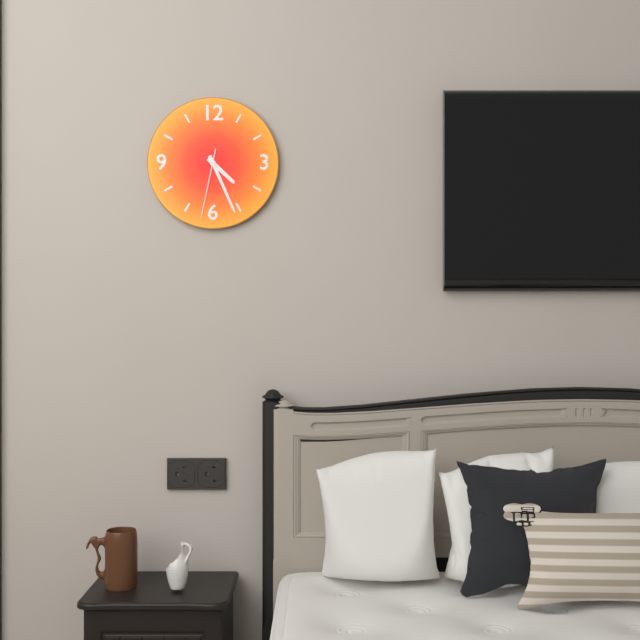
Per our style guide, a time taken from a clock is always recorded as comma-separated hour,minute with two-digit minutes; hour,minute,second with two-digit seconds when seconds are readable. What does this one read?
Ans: 4,26,32
